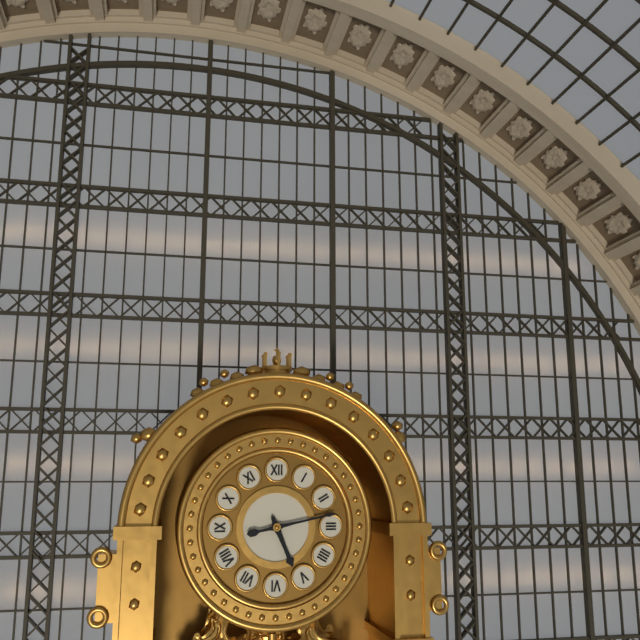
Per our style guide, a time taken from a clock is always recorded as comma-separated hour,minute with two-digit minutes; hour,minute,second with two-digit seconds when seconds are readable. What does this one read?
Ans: 5,13
